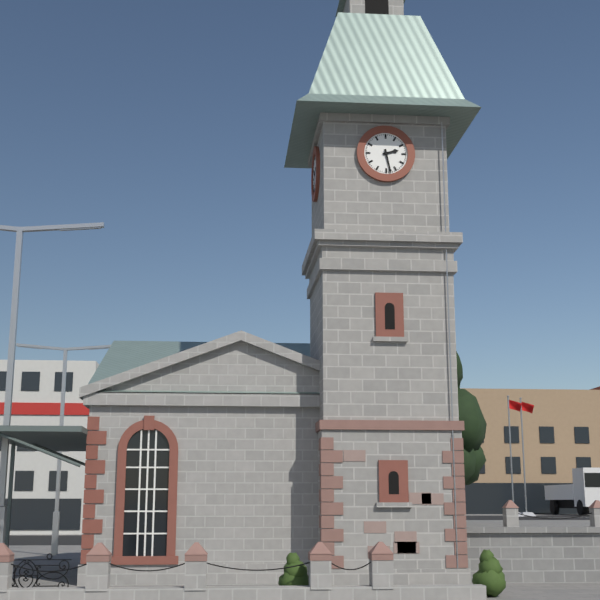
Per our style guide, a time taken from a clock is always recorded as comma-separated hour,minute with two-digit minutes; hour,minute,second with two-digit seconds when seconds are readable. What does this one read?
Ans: 2,28
